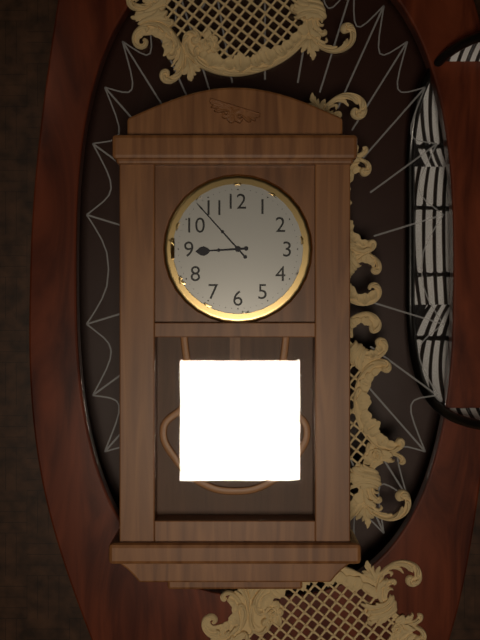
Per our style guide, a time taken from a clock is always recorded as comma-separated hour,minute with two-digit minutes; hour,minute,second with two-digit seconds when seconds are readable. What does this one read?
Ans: 8,53
